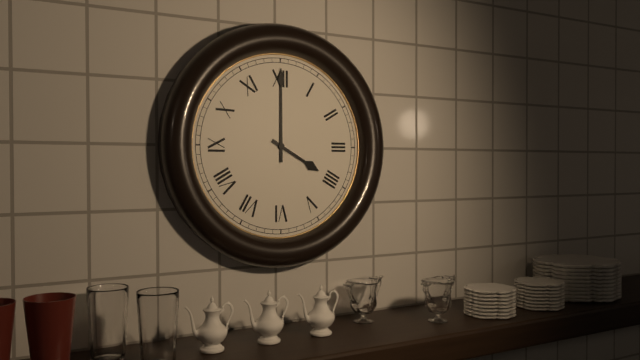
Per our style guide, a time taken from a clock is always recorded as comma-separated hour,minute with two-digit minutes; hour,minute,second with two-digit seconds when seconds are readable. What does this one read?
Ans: 4,00
